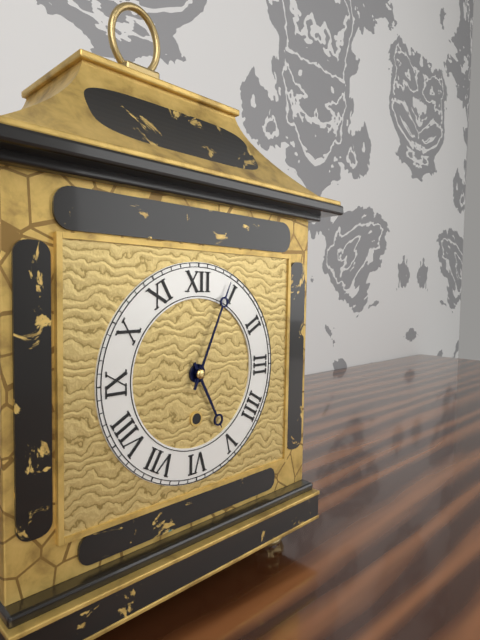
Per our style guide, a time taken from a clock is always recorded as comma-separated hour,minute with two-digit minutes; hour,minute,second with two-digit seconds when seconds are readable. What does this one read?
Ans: 5,04
